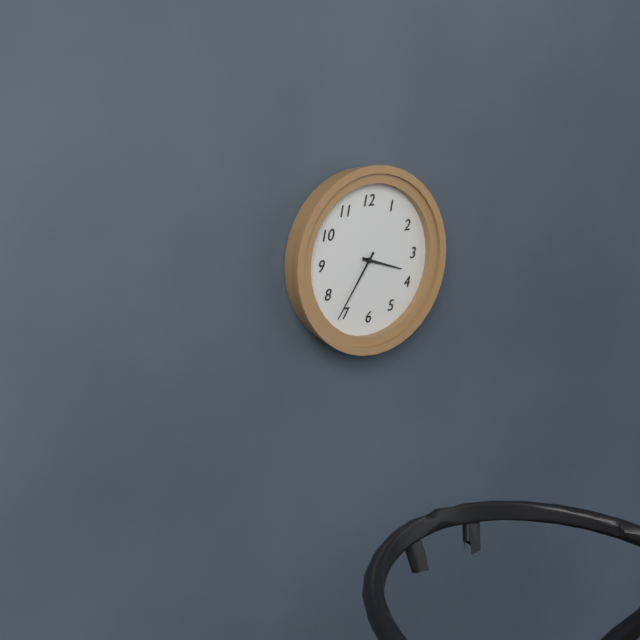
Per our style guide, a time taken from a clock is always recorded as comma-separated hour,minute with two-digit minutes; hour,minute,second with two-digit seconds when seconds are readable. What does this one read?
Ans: 3,36
